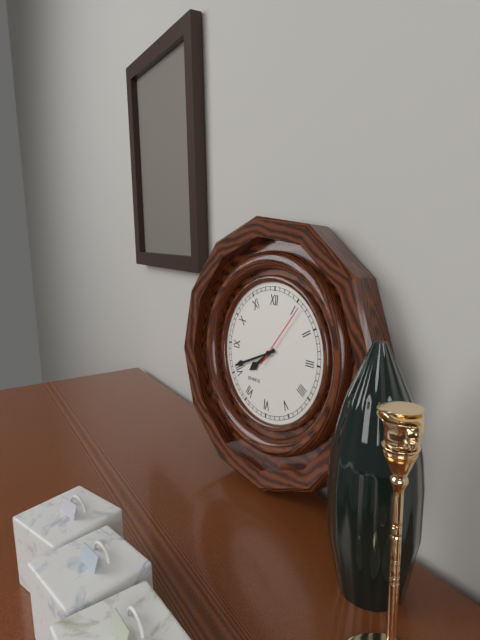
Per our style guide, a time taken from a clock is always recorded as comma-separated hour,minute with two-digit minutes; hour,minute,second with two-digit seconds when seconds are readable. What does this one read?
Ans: 7,41,06
